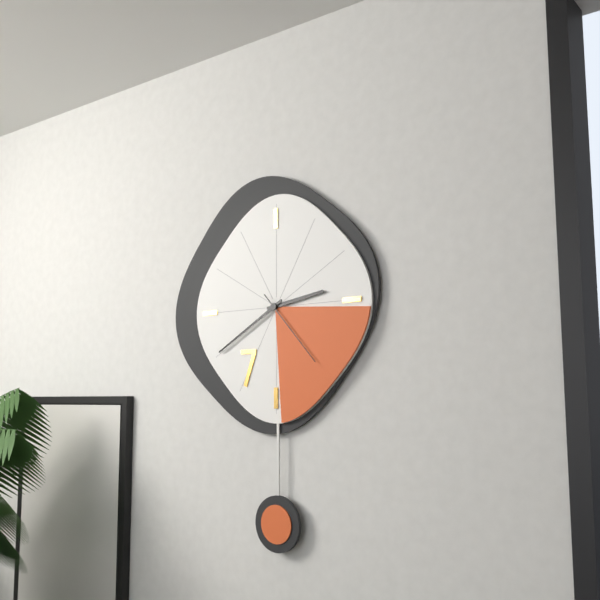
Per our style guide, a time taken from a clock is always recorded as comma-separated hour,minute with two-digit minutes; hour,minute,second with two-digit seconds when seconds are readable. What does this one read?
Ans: 2,40,23
